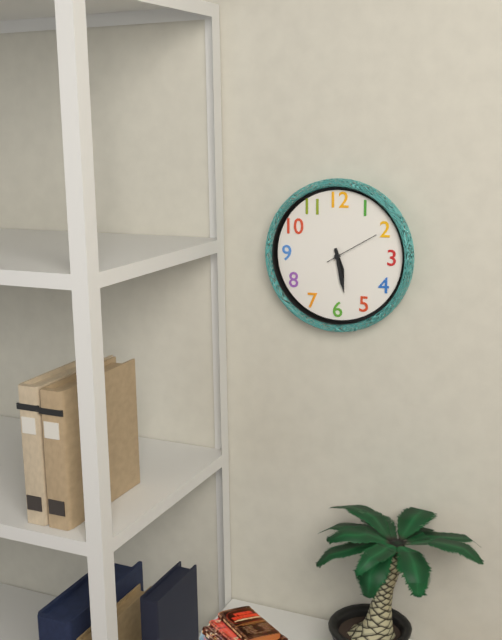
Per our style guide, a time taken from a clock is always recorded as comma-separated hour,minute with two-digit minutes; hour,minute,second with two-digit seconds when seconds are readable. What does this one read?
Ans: 5,28,10
